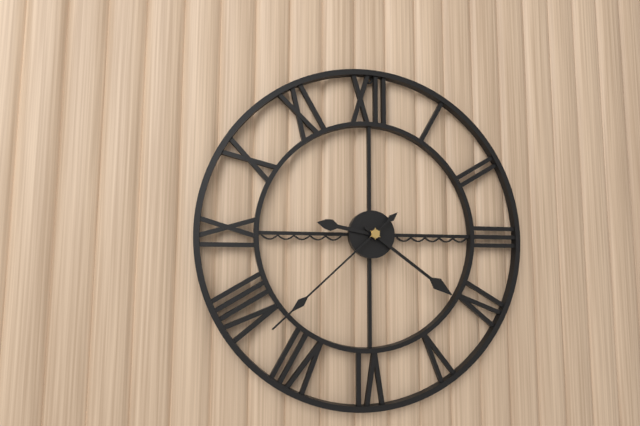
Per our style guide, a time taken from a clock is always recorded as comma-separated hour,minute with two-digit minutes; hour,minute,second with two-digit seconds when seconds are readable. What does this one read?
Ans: 9,21,38
